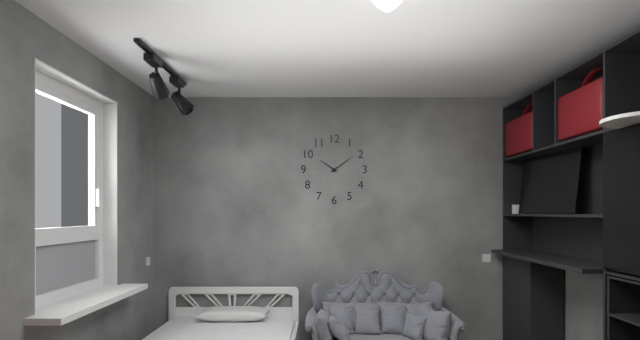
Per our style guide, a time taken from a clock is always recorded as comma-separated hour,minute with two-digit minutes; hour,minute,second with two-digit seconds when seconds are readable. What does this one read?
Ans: 10,09
